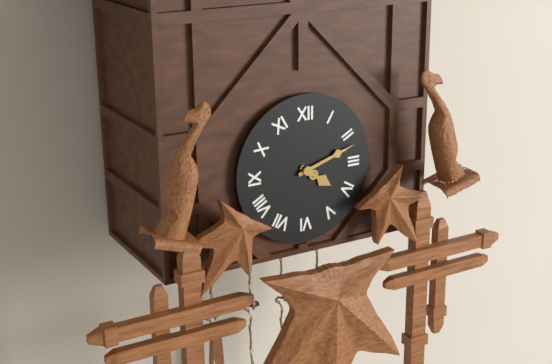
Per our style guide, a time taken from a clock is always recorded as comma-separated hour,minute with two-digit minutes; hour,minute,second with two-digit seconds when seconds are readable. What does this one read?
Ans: 4,12
